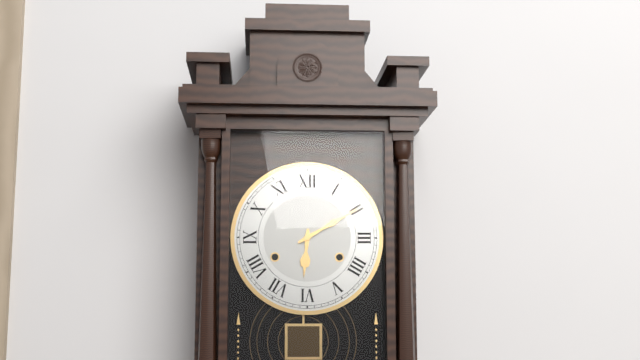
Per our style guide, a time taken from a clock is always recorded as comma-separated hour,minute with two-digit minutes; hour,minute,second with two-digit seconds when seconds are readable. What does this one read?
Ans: 6,10
